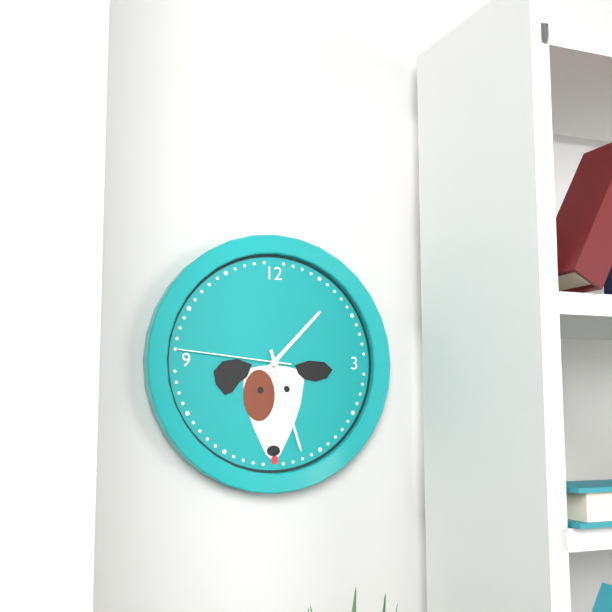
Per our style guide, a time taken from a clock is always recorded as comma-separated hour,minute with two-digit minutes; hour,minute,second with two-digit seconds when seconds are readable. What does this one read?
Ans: 1,27,46
